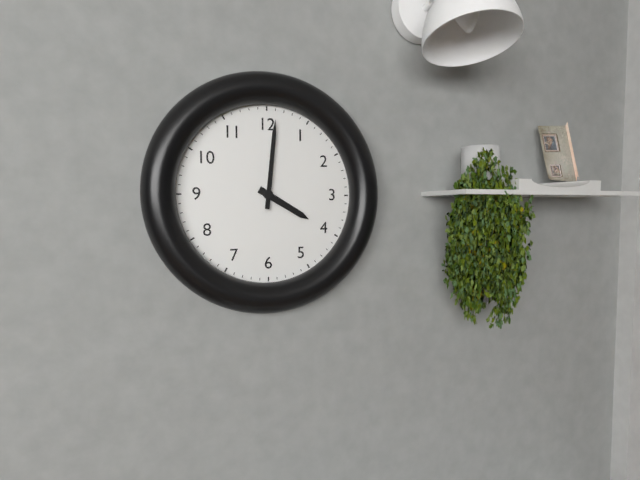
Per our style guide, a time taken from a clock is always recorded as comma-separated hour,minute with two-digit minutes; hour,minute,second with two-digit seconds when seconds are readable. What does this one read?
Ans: 4,01
